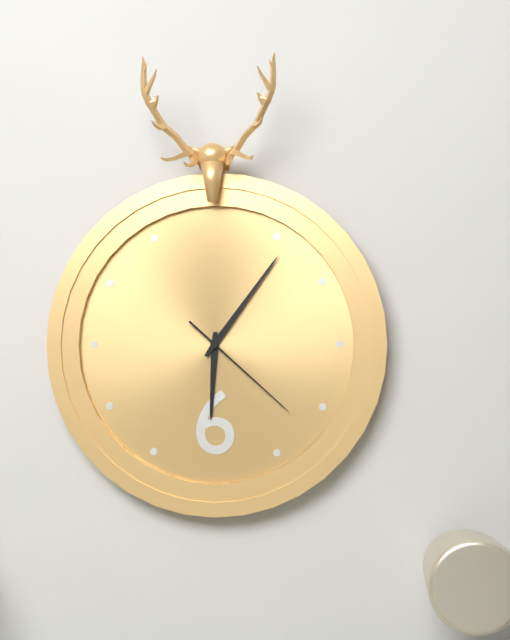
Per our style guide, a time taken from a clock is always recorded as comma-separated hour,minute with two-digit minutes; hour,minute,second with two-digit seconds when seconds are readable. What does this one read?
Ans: 6,06,22
